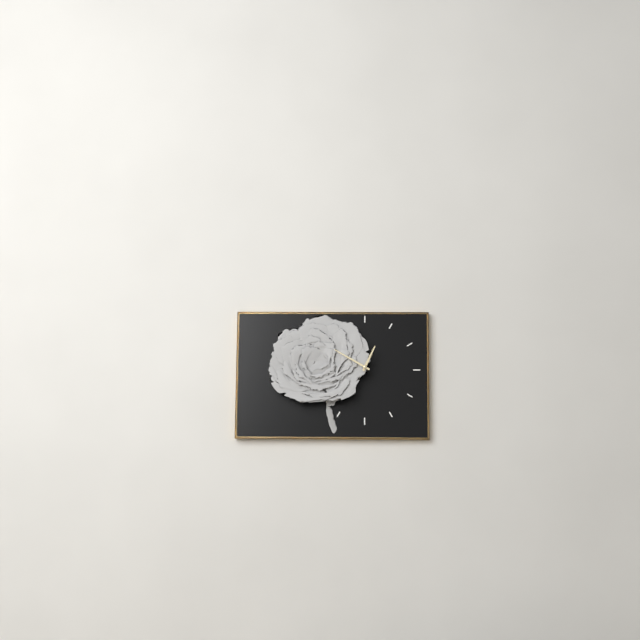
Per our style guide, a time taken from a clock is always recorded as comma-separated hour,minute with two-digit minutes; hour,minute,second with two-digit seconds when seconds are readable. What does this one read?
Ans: 12,50
